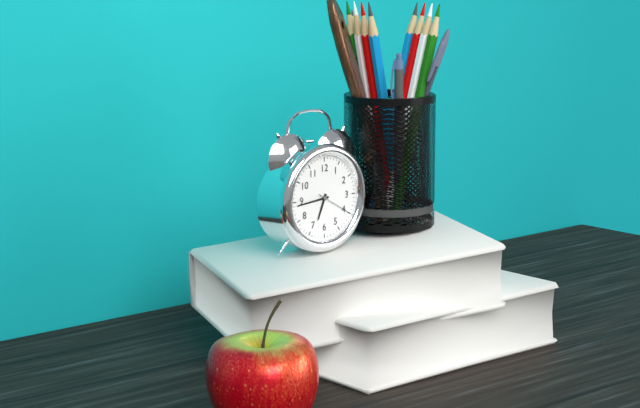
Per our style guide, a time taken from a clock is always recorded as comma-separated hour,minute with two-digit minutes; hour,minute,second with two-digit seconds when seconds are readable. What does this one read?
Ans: 6,44
